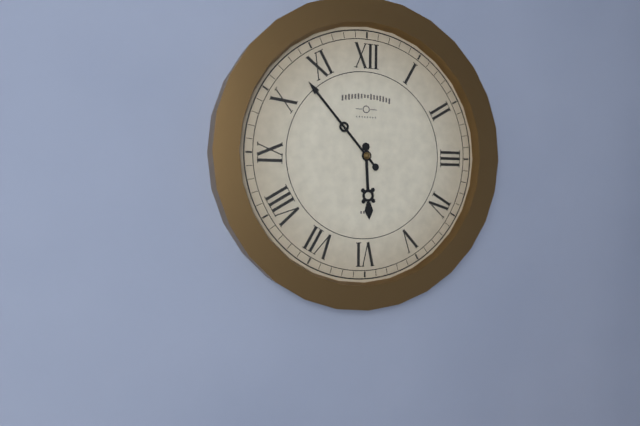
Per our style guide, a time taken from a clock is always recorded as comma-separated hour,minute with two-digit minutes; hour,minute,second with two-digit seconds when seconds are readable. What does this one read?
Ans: 5,53
